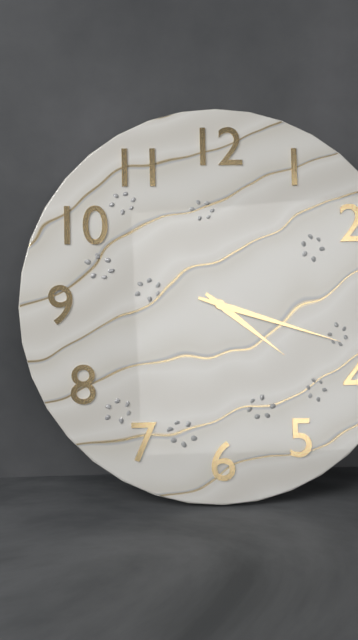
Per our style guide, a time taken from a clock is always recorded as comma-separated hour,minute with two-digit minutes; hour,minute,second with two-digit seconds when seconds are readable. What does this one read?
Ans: 4,18
